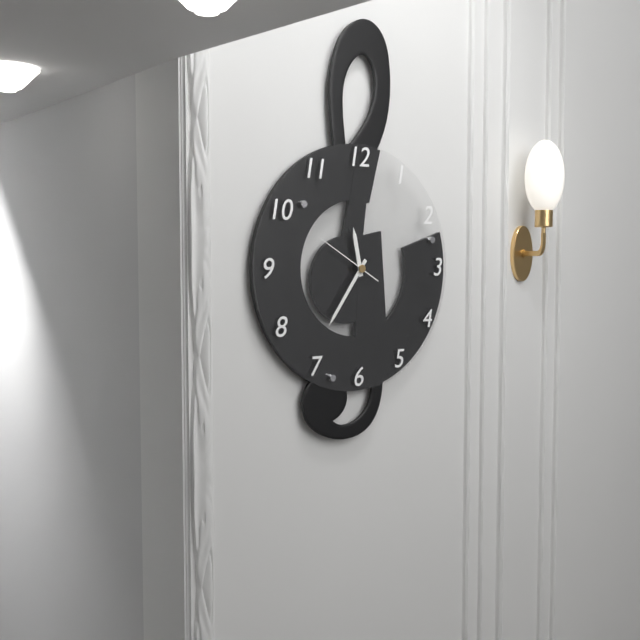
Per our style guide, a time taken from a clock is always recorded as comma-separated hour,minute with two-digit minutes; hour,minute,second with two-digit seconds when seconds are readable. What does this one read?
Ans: 11,36,50
